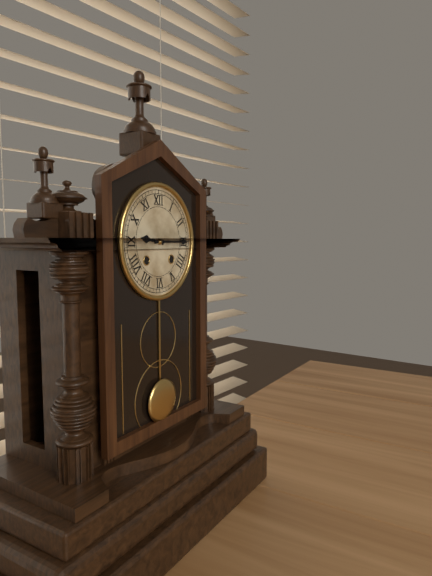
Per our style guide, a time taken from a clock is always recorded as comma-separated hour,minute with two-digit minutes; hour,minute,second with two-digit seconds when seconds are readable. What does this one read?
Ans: 9,15
